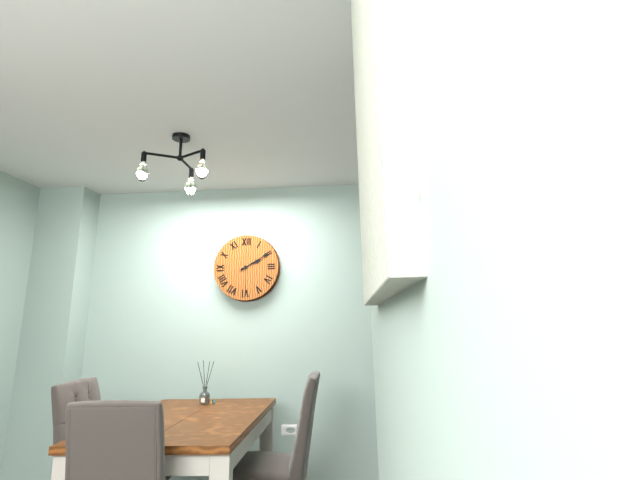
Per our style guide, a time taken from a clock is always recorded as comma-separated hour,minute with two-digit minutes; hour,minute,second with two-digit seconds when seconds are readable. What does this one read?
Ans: 2,10
